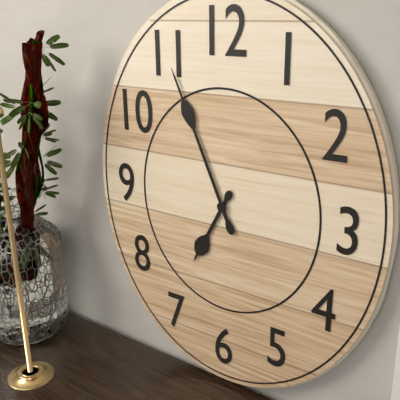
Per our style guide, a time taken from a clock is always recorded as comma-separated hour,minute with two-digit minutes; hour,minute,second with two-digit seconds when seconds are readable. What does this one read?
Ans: 6,56
